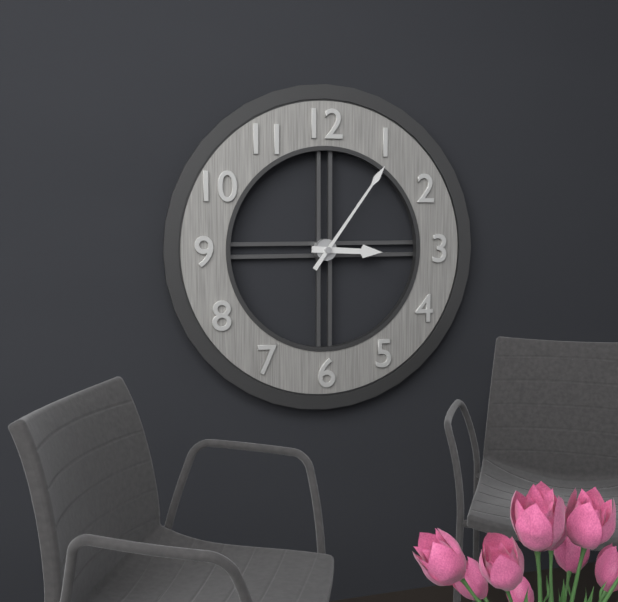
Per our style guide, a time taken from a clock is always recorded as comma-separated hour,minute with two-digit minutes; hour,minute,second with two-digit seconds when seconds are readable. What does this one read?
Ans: 3,06
